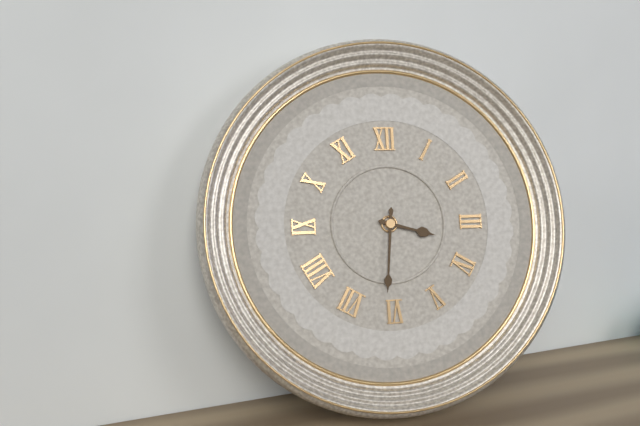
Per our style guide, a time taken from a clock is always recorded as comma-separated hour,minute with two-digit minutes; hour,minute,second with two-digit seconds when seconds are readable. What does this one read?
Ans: 3,31
